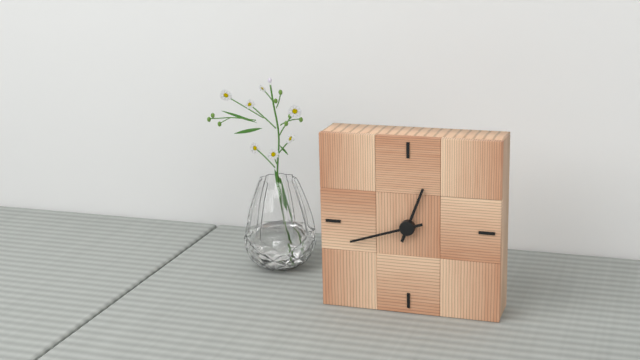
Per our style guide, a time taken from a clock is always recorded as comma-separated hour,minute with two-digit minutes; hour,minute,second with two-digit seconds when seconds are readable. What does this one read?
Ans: 12,42
